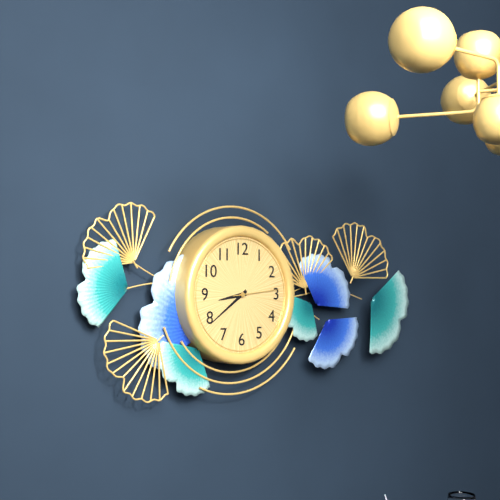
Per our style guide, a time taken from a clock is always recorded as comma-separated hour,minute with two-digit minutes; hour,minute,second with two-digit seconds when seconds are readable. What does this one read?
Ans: 8,39
